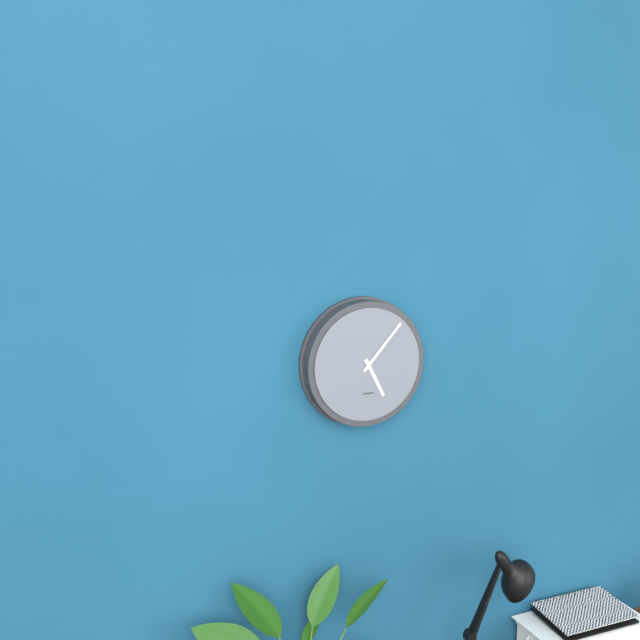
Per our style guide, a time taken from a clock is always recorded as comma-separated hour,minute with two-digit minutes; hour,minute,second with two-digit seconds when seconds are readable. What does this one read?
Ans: 5,07
